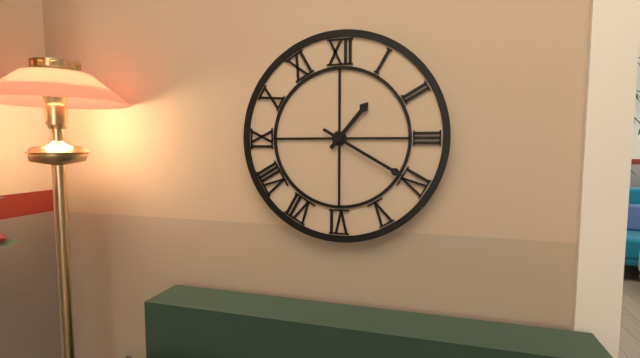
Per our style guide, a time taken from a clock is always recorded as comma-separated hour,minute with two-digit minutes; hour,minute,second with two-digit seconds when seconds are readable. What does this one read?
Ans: 1,20
